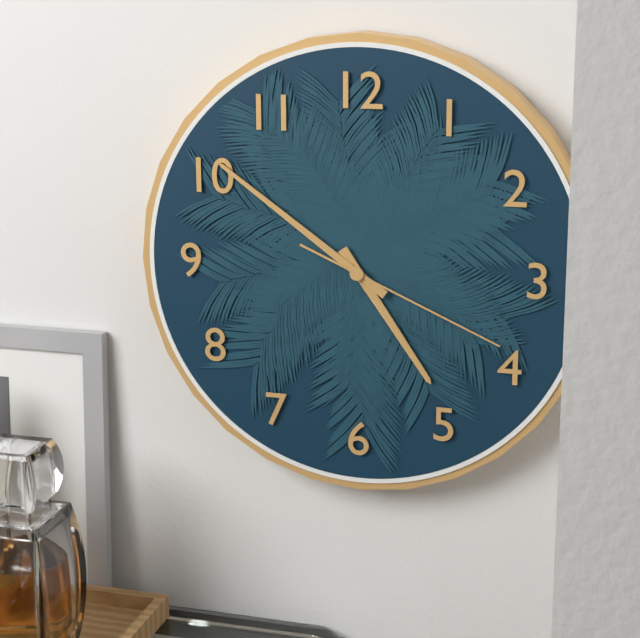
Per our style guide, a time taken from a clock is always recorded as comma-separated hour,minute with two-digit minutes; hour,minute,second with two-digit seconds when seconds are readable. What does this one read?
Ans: 4,51,19
